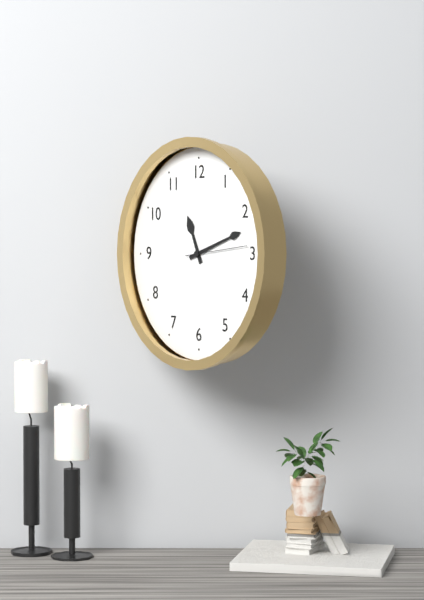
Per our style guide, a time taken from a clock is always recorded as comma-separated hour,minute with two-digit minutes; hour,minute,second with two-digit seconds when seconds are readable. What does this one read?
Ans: 11,12,14
